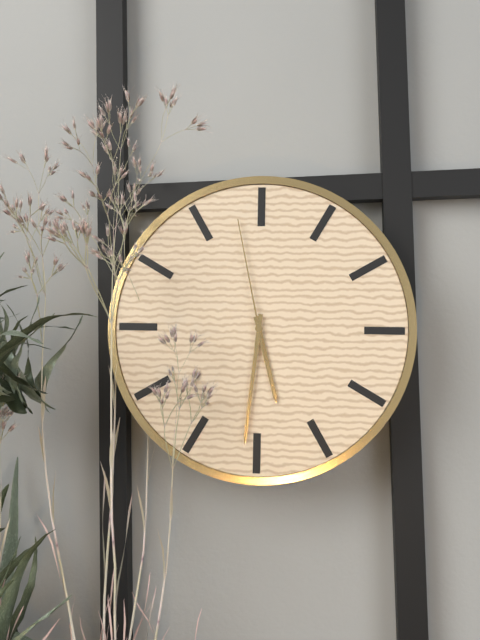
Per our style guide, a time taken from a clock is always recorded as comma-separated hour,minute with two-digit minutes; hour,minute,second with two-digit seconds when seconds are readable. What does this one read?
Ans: 5,31,58
